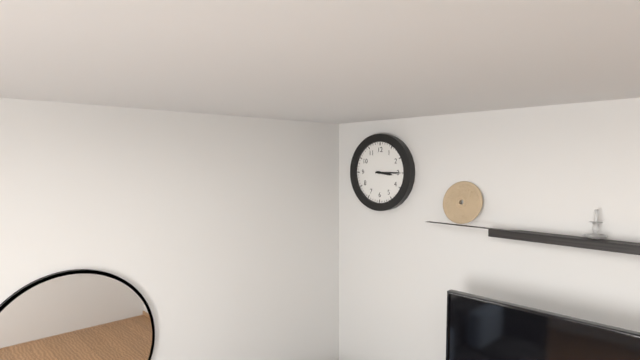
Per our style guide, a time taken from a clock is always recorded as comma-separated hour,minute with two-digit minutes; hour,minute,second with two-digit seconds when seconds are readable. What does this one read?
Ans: 3,15
